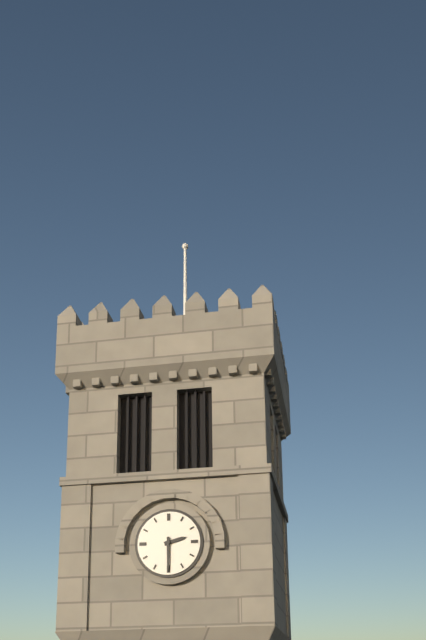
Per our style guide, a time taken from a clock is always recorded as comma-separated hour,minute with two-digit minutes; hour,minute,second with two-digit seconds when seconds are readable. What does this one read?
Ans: 2,30
